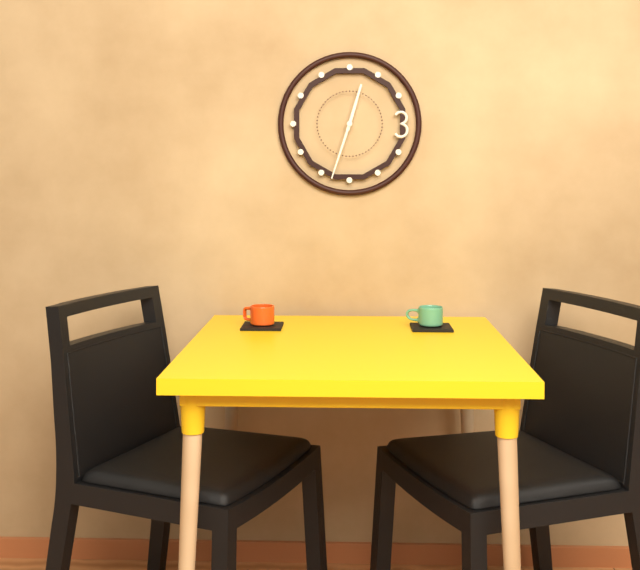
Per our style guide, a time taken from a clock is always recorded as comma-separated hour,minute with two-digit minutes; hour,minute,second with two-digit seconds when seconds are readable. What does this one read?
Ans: 12,33
